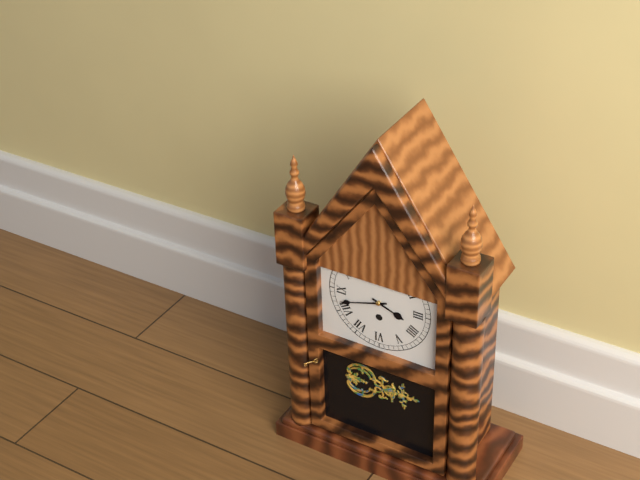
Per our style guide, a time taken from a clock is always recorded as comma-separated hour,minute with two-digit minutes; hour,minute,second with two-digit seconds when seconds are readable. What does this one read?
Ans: 3,42
